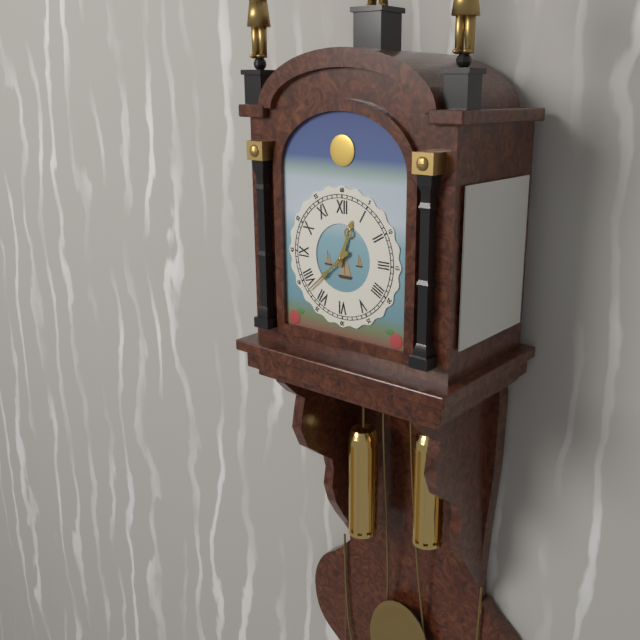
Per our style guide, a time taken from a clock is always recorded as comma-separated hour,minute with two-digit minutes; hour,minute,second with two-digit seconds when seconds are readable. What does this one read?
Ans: 12,38
